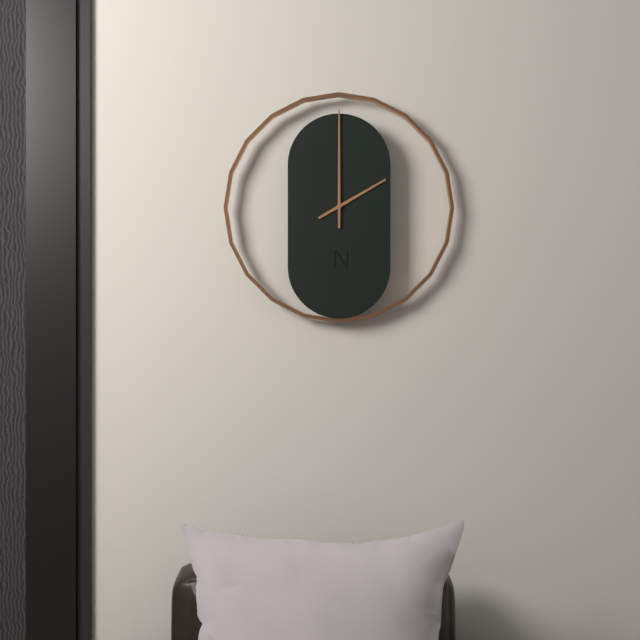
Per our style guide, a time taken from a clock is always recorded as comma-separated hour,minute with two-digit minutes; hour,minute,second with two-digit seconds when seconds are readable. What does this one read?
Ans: 2,00
